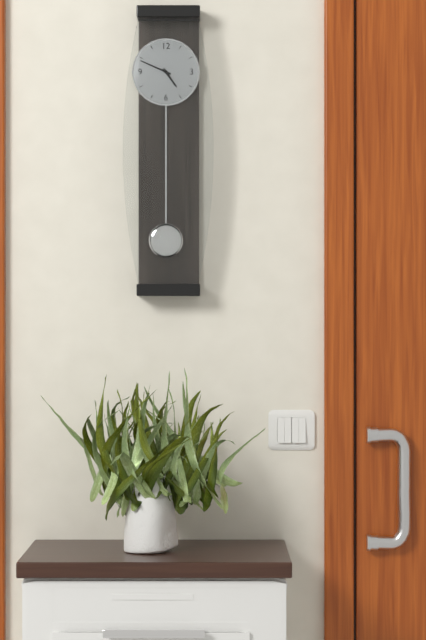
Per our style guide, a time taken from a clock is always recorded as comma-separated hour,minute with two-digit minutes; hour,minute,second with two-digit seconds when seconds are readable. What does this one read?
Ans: 4,49
